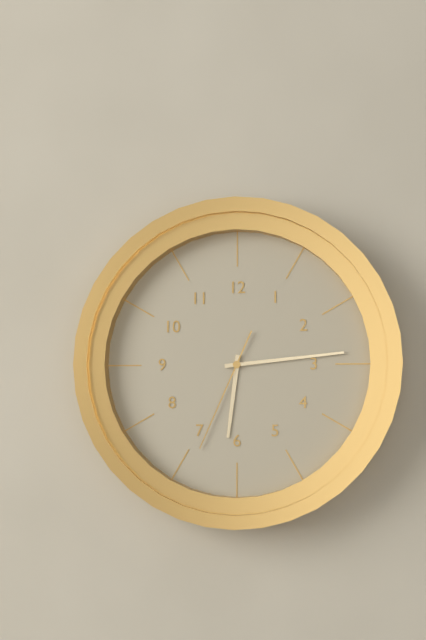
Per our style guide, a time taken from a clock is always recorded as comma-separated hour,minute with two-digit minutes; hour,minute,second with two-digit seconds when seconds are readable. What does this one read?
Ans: 6,14,34
